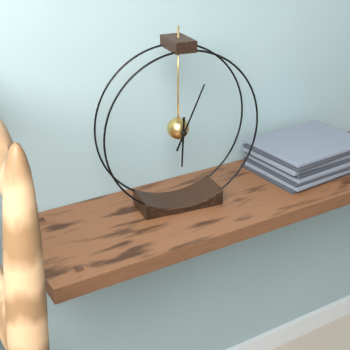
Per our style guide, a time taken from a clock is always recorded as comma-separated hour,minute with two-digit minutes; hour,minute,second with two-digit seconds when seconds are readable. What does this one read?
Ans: 6,04
